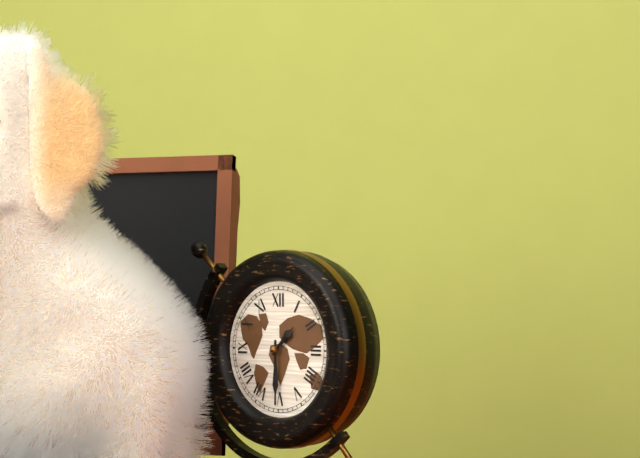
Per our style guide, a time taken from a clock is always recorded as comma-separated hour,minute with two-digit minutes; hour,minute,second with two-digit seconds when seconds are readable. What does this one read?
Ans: 1,30
